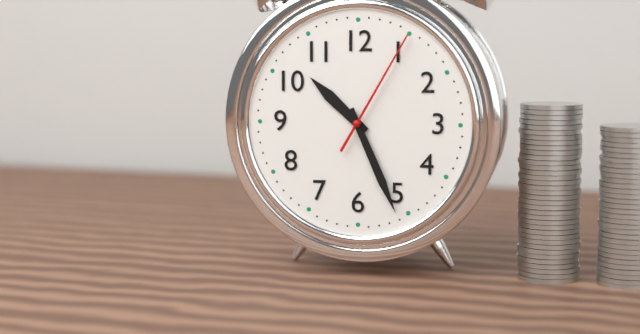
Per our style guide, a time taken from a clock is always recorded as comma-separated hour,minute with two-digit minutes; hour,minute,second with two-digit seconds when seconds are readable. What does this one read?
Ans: 10,26,05
